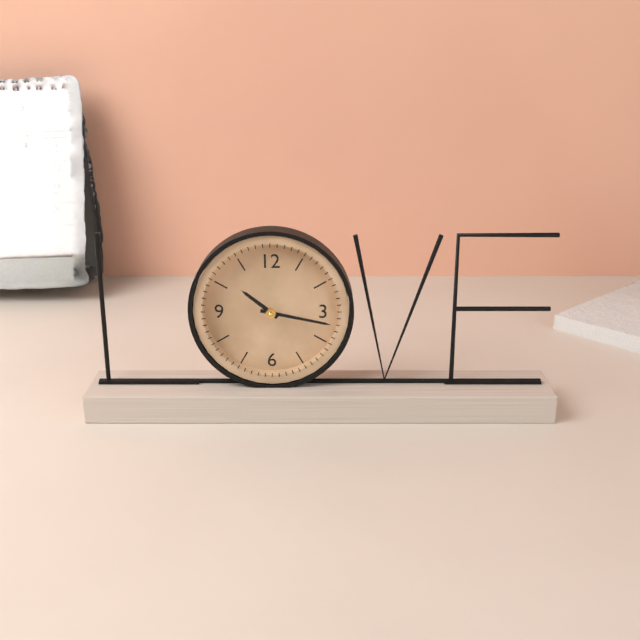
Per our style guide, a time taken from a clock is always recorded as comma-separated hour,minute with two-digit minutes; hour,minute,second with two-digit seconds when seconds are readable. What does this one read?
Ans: 10,17
